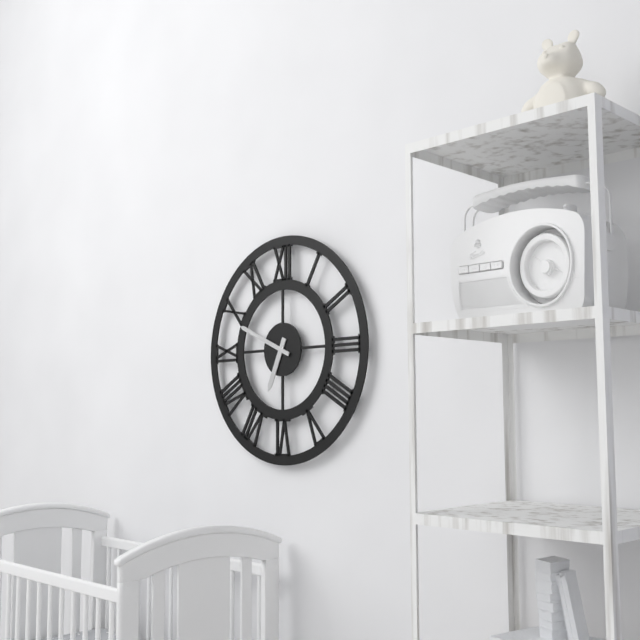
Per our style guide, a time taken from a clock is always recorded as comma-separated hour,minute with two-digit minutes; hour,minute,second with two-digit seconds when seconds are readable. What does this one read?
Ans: 6,49
